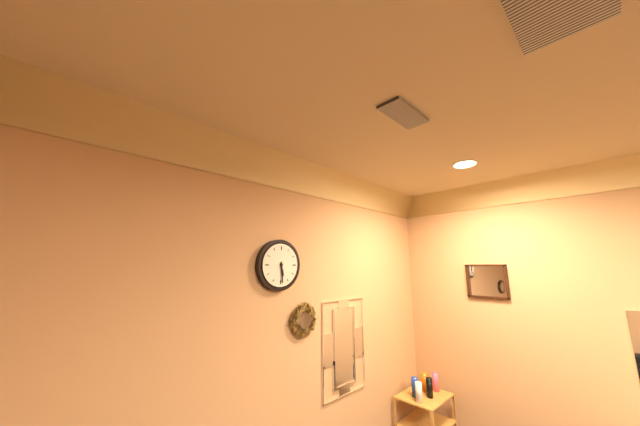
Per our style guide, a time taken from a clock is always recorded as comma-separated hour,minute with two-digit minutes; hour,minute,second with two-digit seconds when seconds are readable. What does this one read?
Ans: 5,29
